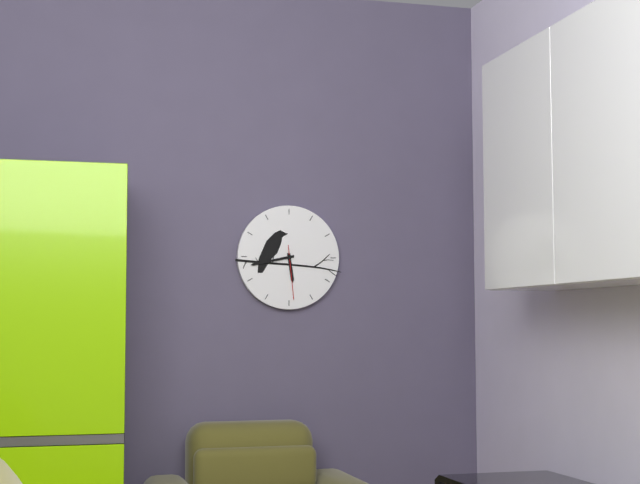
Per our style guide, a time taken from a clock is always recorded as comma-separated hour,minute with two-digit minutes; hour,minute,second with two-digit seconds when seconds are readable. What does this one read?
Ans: 5,43,29
